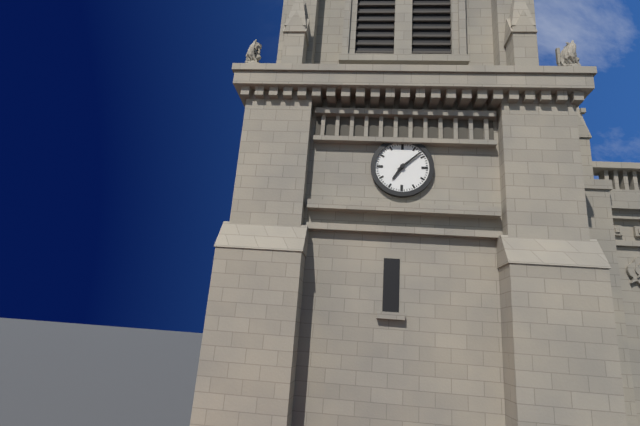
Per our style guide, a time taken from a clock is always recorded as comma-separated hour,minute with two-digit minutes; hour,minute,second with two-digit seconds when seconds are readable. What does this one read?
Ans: 7,08
